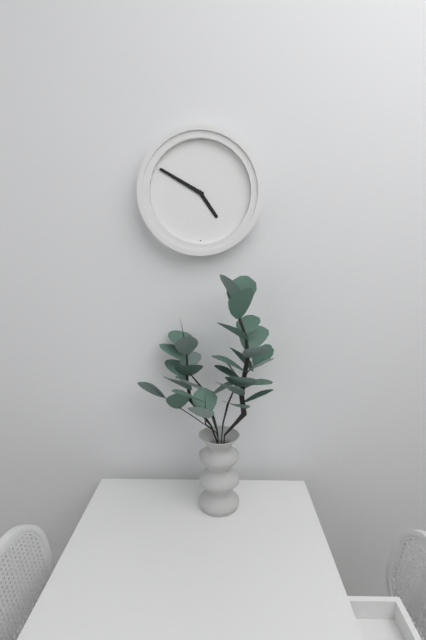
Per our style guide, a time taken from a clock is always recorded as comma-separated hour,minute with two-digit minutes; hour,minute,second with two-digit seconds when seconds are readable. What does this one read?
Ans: 4,50
